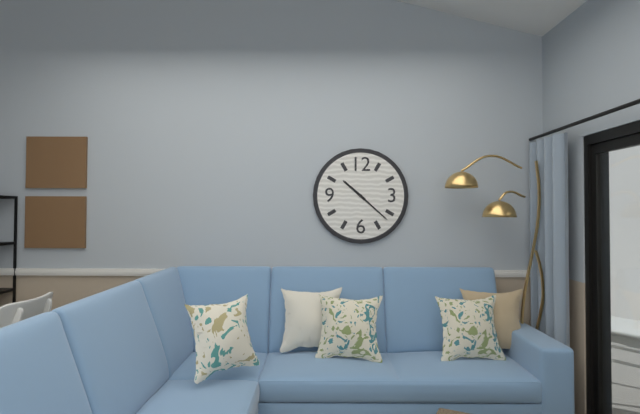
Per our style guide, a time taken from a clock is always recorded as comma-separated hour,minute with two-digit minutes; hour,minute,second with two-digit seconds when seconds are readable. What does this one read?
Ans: 10,22
